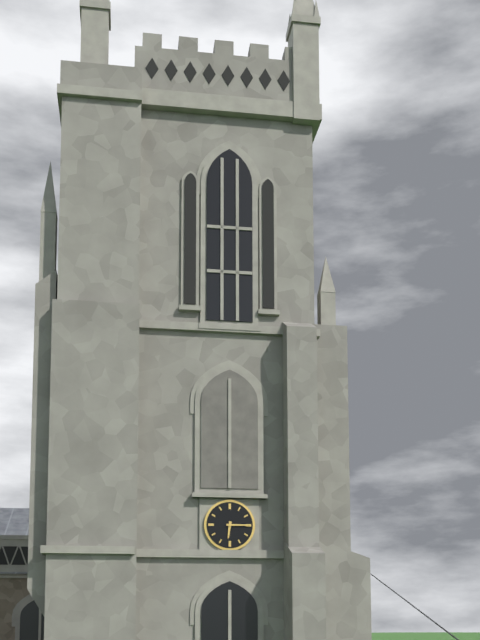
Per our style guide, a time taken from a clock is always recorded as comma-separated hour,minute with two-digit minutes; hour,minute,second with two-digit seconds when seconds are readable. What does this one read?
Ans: 6,15
